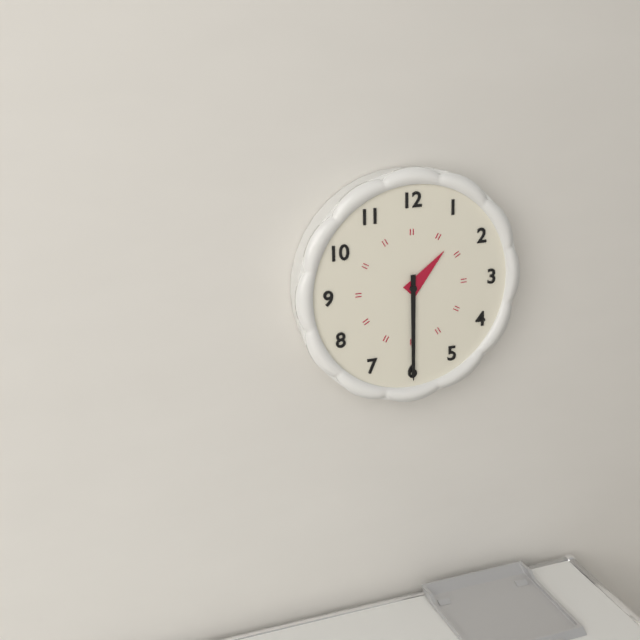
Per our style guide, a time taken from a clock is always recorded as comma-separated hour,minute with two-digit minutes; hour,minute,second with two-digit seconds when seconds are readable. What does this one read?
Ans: 1,30
